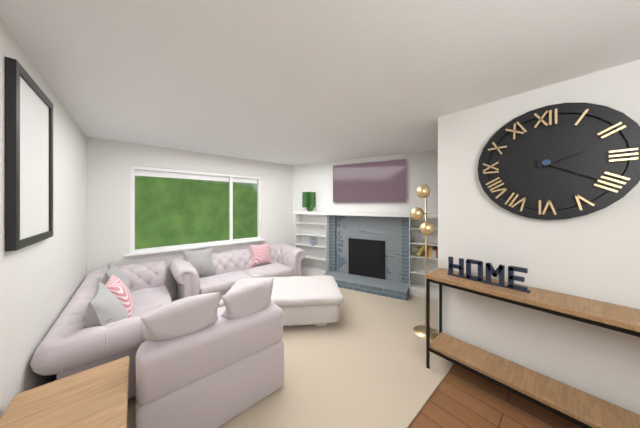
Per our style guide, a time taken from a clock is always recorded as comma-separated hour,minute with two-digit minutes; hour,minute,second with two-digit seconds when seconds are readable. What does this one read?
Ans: 2,20
